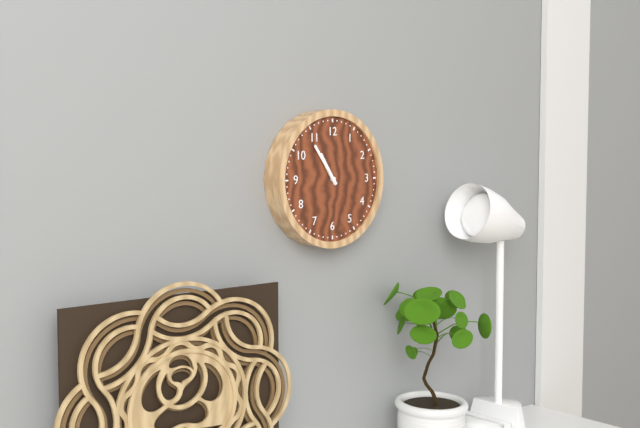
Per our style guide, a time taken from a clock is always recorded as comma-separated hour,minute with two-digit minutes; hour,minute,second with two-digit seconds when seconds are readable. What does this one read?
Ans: 10,54
